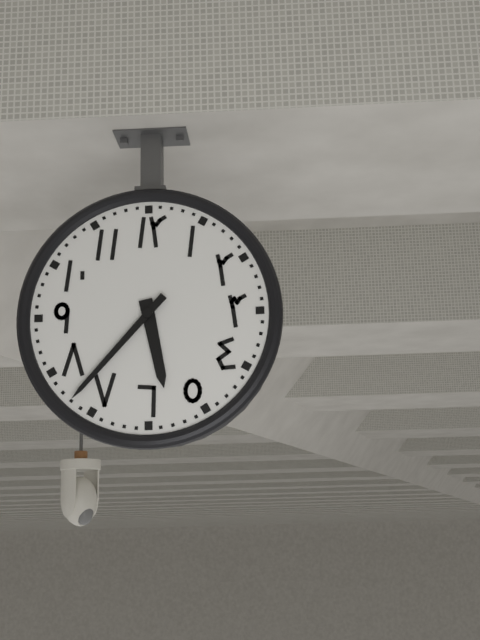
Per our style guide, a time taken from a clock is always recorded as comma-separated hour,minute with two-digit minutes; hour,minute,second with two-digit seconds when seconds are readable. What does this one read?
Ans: 5,37
